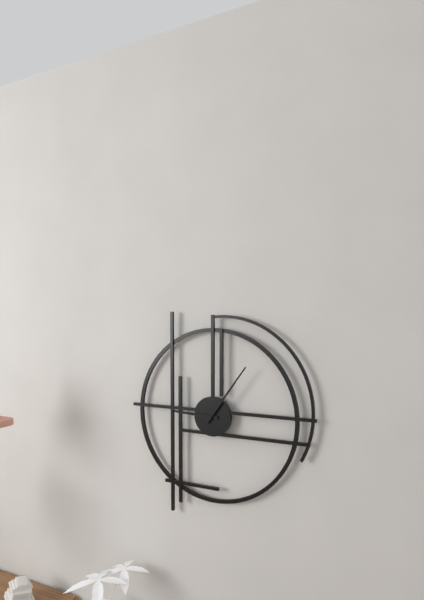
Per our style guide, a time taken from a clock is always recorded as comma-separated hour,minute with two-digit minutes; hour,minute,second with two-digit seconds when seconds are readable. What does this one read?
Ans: 9,06
